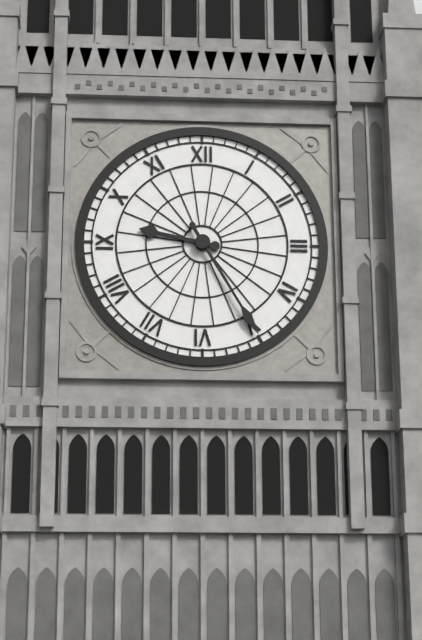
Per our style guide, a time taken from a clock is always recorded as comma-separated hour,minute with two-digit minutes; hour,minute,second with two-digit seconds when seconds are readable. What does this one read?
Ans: 9,25
